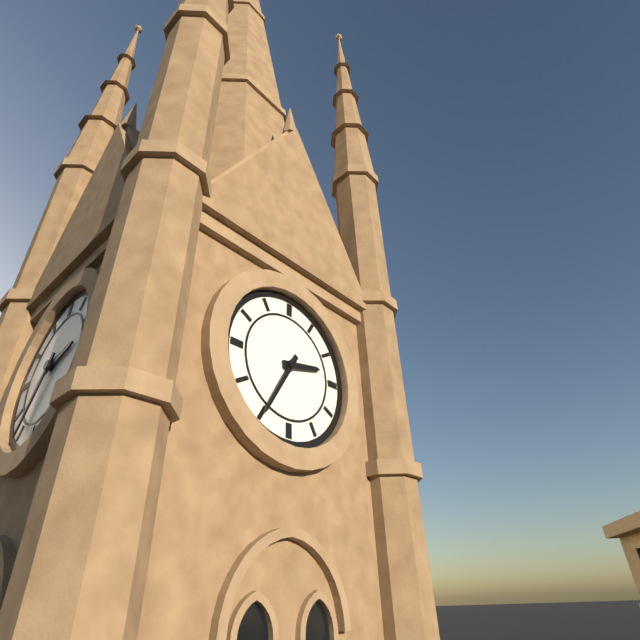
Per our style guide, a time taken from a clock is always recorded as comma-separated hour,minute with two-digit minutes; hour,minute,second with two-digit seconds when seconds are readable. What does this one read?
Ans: 2,35
